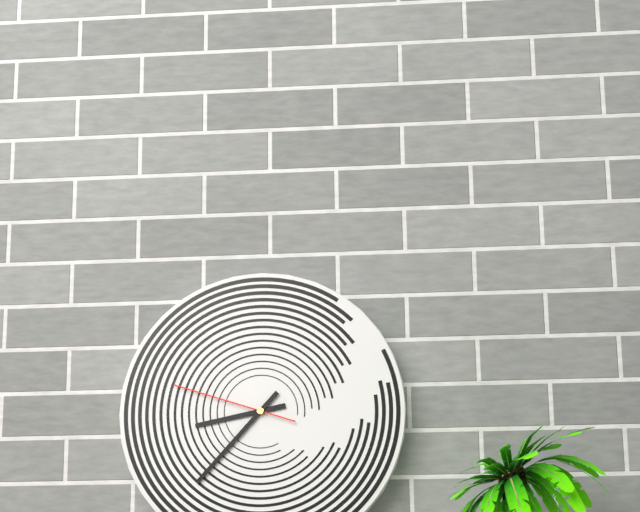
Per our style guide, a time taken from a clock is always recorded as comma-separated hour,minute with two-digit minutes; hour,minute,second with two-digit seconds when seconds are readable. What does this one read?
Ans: 8,37,48
